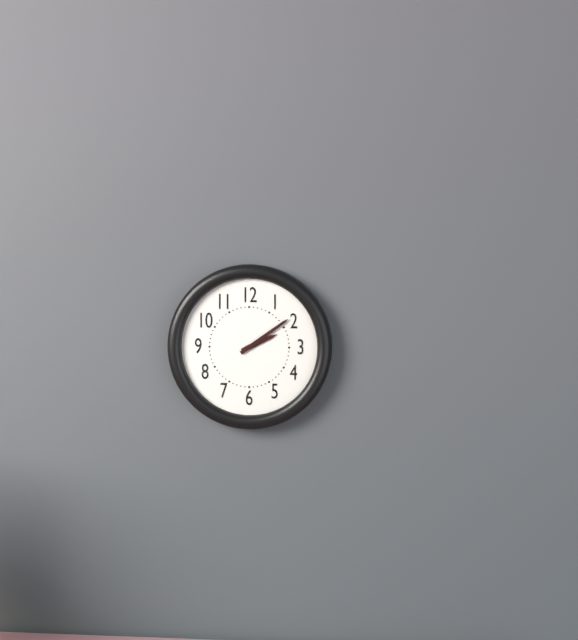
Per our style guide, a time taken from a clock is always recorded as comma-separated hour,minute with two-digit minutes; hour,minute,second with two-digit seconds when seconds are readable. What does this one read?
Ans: 2,09
